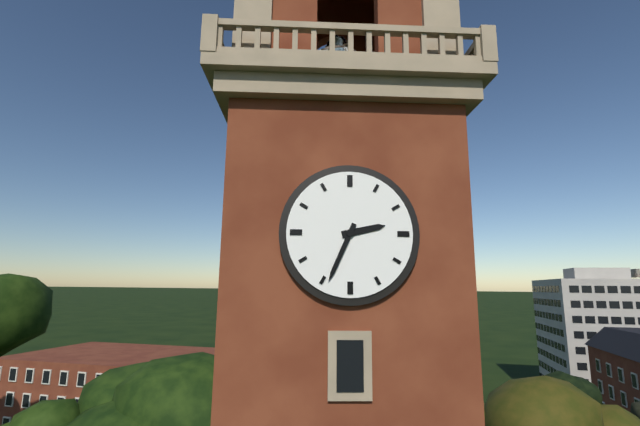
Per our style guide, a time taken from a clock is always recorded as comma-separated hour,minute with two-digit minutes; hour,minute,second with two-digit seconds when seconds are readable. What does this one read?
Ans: 2,34
